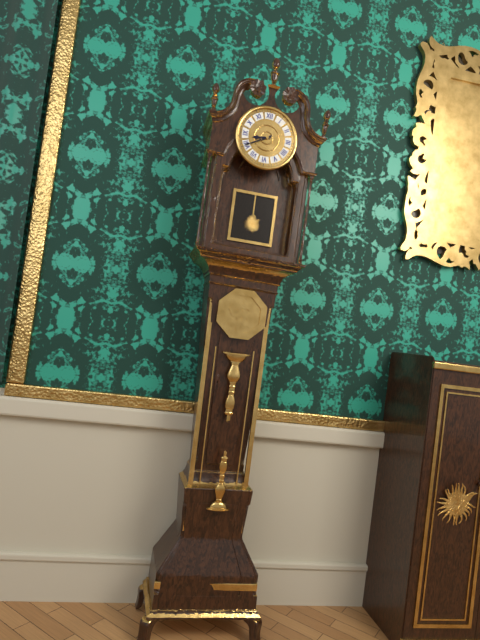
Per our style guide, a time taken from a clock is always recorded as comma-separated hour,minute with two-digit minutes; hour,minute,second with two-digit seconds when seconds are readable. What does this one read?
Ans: 8,40
